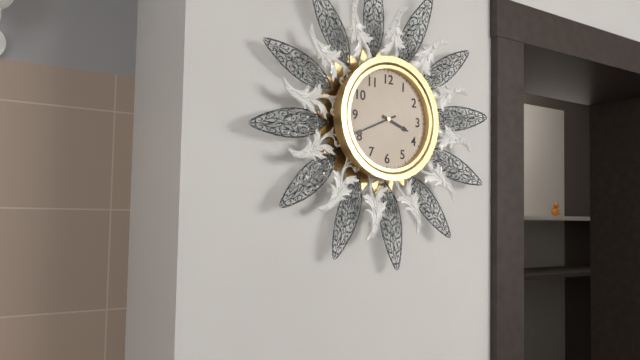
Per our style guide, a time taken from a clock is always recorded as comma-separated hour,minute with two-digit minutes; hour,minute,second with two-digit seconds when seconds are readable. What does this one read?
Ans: 3,41
